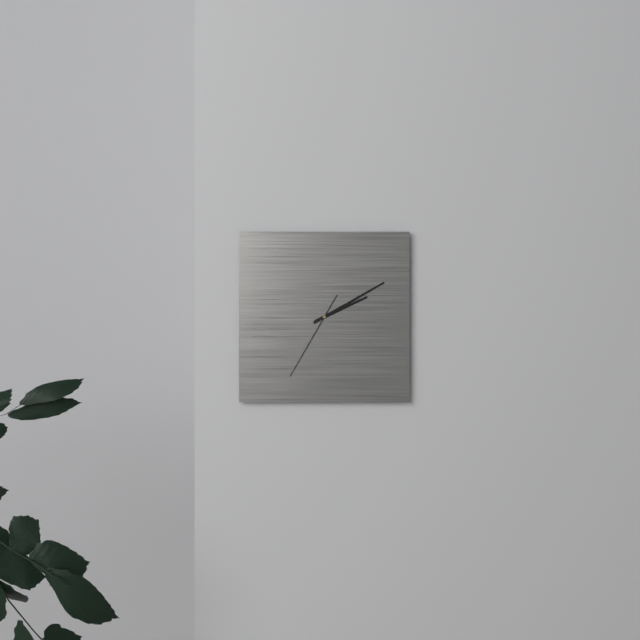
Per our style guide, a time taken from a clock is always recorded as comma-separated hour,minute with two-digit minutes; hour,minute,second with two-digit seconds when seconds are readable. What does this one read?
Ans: 2,10,35
